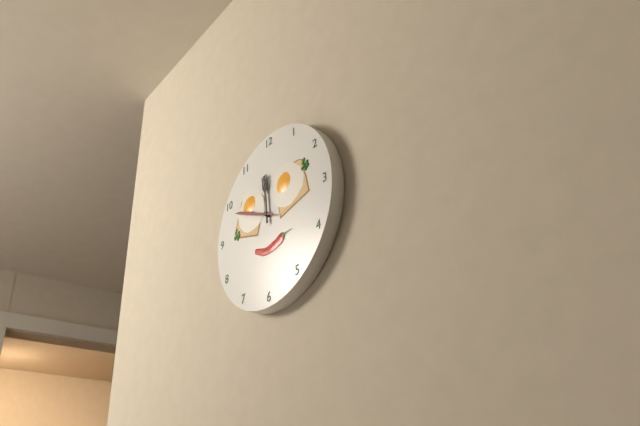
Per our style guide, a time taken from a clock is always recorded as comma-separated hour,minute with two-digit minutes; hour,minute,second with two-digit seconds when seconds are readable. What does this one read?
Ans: 11,49
